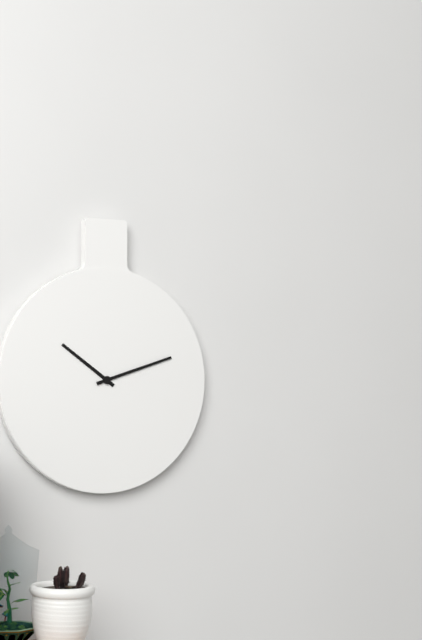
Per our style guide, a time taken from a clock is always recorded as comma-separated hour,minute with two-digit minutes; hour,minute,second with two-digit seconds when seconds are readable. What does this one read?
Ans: 10,12
